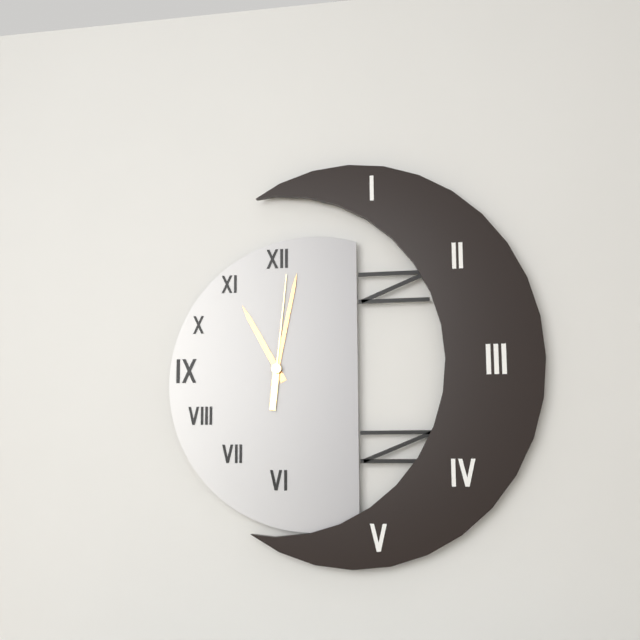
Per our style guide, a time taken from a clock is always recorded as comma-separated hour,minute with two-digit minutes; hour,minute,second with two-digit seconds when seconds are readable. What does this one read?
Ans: 11,02,01
